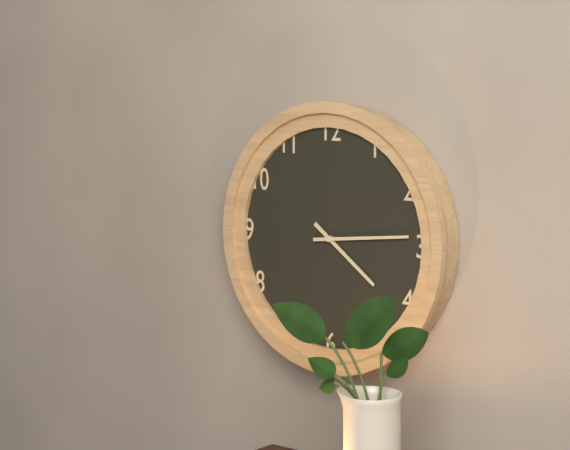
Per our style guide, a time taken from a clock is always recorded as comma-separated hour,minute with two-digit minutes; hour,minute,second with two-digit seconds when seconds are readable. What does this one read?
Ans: 4,14
